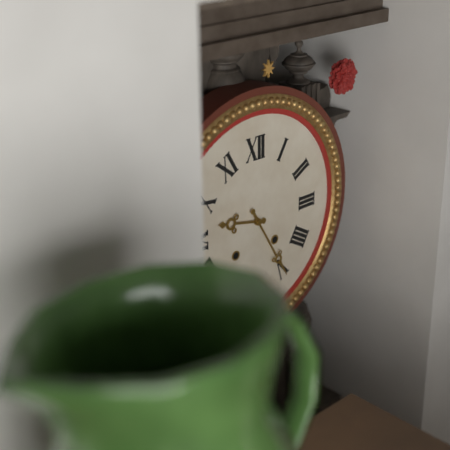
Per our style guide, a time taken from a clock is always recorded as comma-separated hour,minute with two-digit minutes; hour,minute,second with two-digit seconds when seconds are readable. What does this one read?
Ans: 9,25
